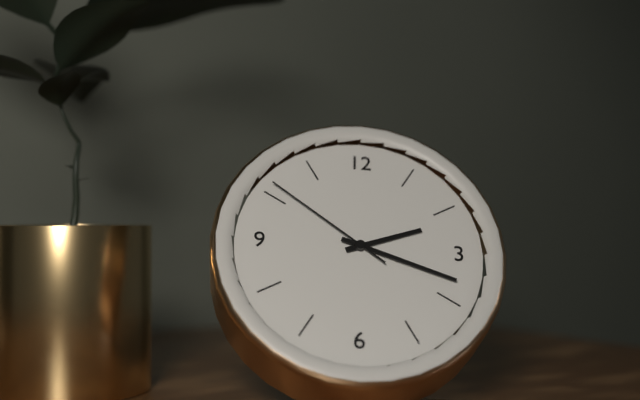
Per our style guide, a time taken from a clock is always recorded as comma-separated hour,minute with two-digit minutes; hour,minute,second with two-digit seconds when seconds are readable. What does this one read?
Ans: 2,18,51
